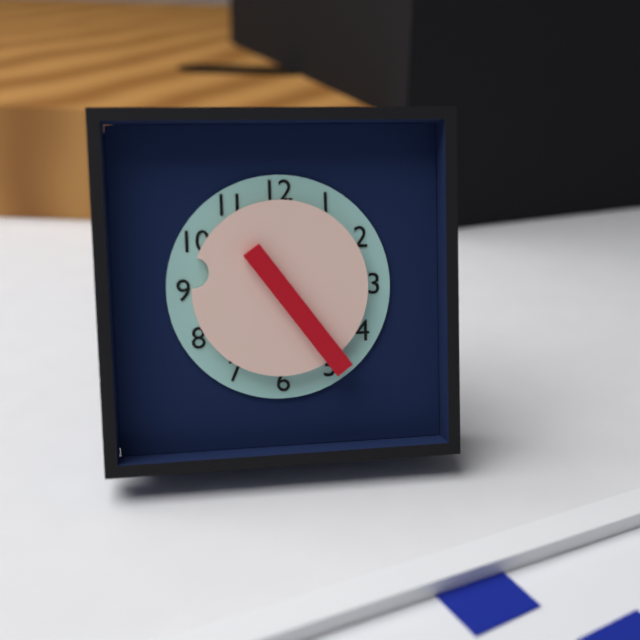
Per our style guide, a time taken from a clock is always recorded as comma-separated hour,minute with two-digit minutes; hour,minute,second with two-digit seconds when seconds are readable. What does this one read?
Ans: 9,24
